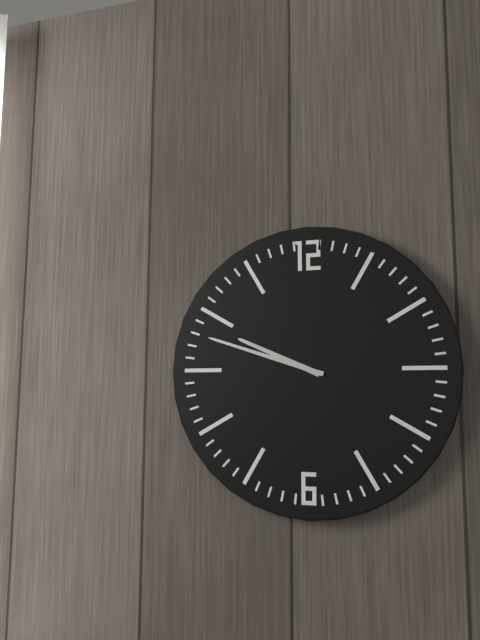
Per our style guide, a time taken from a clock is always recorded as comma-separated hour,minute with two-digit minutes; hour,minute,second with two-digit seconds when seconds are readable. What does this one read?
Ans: 9,48
